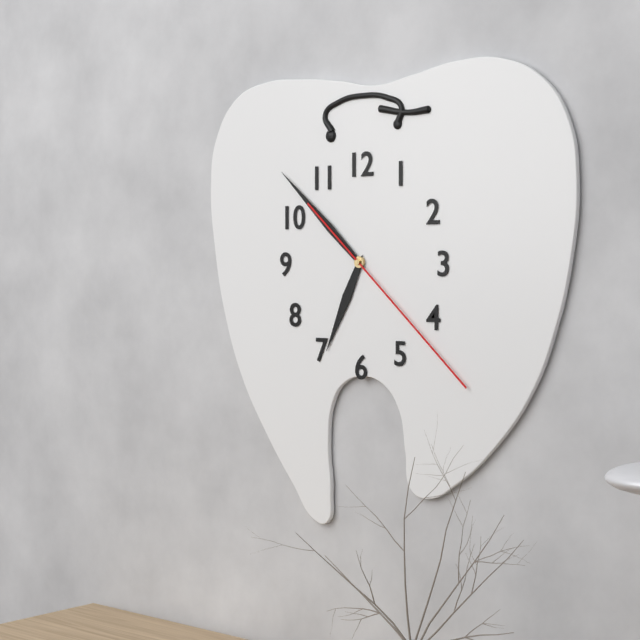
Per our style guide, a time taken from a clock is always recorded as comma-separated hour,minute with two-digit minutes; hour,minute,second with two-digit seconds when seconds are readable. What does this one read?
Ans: 6,52,22
